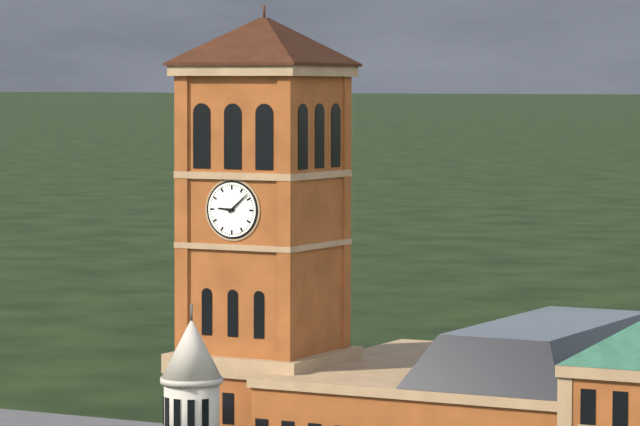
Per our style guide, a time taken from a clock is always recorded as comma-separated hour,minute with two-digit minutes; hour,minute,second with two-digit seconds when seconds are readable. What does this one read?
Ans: 9,08
